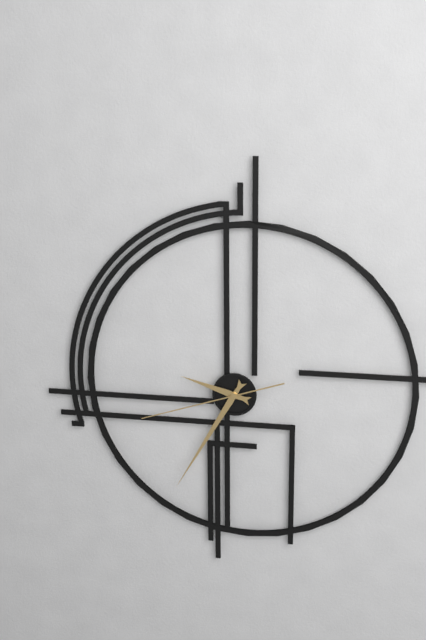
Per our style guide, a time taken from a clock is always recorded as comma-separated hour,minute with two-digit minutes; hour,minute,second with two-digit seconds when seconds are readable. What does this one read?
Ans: 9,35,42
